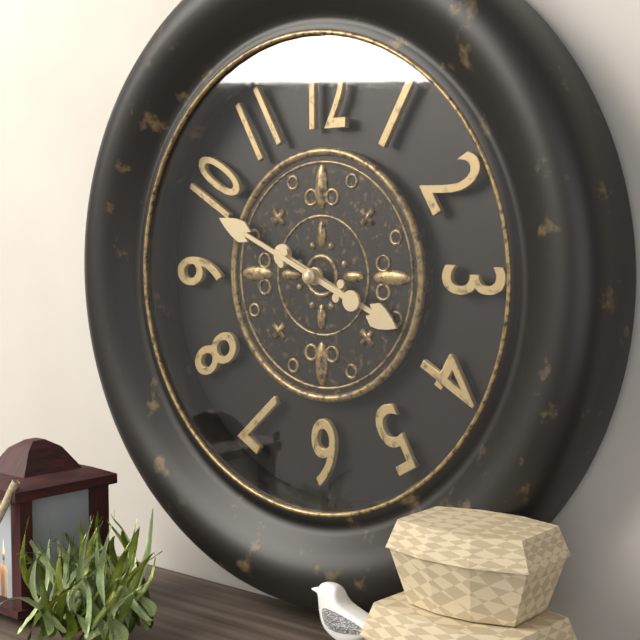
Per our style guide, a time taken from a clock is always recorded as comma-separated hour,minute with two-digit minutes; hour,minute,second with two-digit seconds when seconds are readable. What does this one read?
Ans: 3,49
